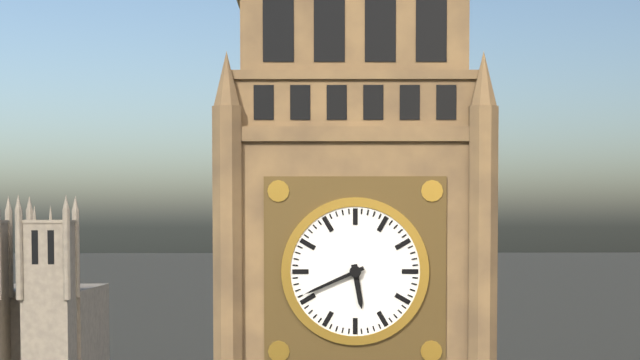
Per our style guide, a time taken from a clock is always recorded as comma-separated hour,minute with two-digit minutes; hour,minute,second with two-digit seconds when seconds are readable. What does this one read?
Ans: 5,41
